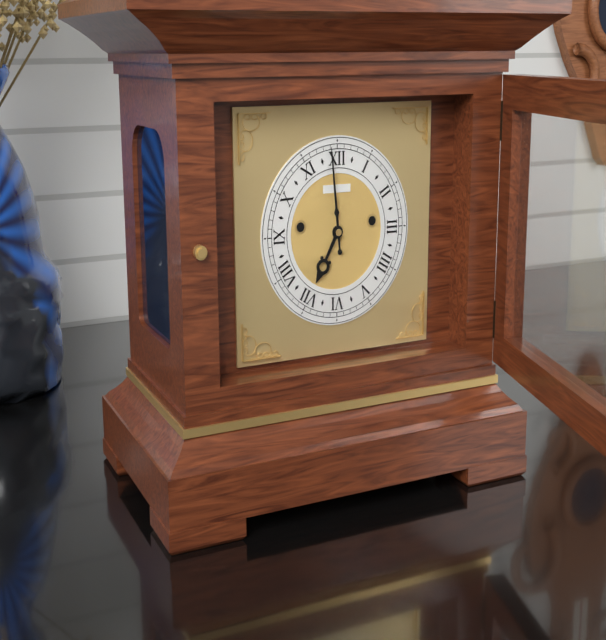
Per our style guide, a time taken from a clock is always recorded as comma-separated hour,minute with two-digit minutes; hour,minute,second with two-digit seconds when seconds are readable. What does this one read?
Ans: 6,59
